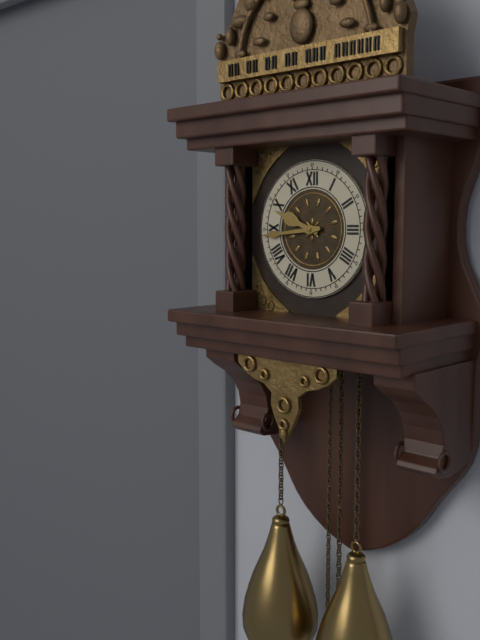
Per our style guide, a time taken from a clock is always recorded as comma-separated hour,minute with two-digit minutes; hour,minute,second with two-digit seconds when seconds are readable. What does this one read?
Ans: 9,44
